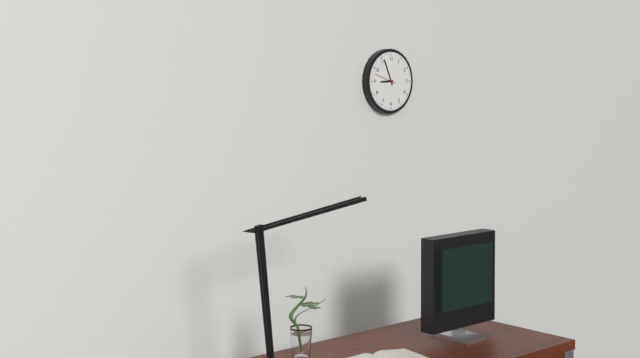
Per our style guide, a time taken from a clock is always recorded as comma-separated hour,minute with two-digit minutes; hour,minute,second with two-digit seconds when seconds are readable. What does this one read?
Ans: 8,56
